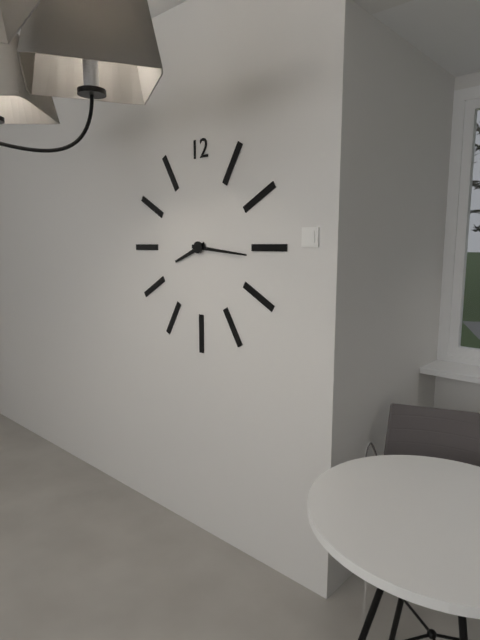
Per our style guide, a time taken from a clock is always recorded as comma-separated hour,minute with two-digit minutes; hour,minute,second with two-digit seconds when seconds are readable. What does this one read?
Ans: 8,16
